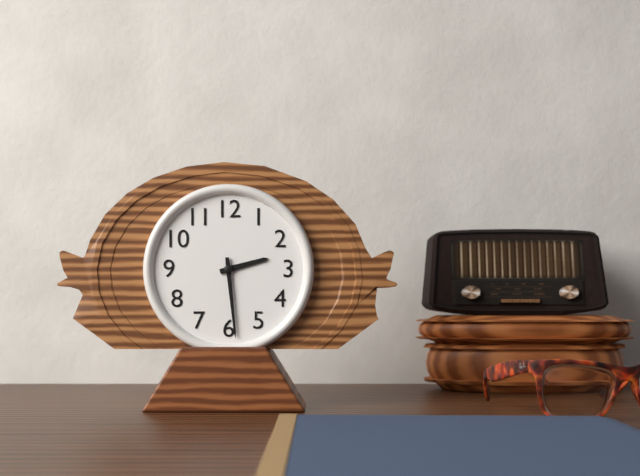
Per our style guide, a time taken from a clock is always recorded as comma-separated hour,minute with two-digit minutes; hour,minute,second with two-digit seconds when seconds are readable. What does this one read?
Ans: 2,29
